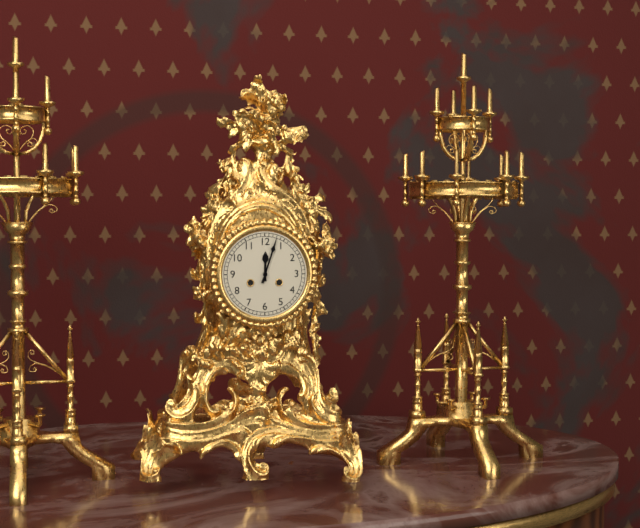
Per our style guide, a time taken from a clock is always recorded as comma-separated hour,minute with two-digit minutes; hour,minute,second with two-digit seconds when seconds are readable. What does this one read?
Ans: 12,03
